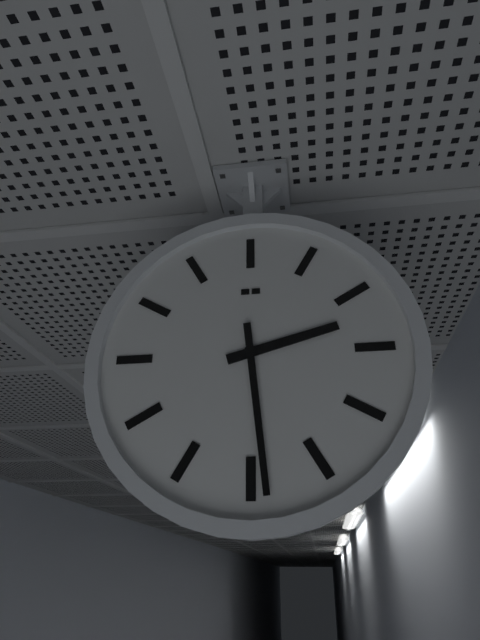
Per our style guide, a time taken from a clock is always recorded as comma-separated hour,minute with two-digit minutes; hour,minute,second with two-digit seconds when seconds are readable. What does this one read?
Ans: 2,29
